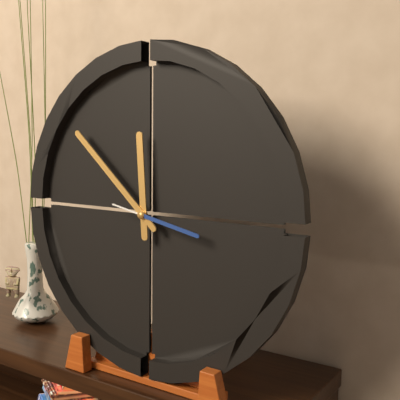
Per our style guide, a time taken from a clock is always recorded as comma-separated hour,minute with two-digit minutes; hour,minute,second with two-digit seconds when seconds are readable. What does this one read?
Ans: 11,52,17
